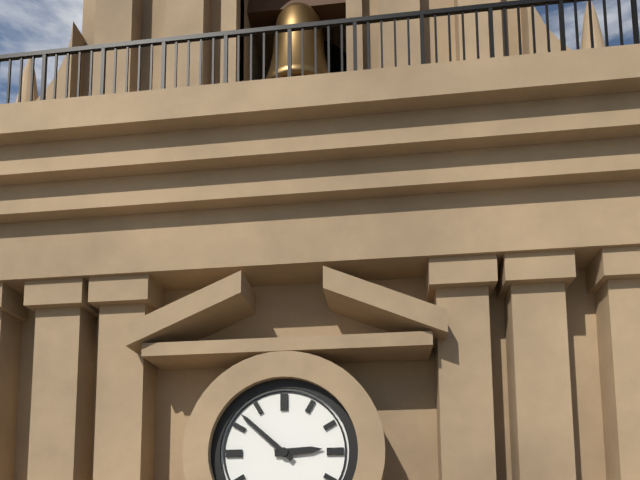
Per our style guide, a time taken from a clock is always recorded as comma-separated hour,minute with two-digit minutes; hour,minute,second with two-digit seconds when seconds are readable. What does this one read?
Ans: 2,52
